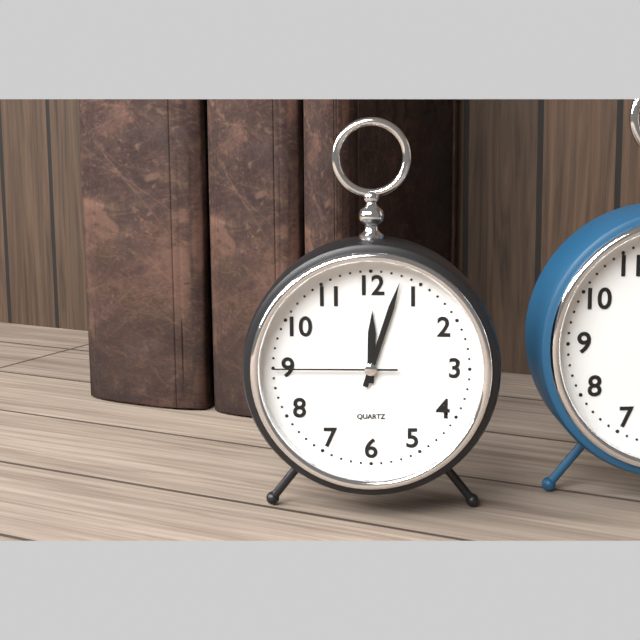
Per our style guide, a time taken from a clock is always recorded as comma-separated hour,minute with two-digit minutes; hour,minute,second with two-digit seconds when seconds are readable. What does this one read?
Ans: 12,03,45
